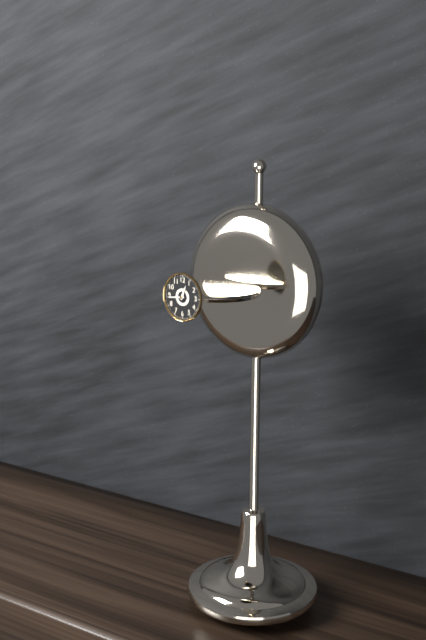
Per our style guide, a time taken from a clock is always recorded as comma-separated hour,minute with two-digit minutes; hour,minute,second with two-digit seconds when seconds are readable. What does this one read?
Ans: 12,44
